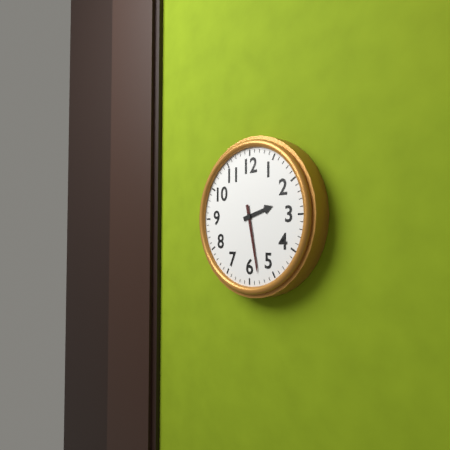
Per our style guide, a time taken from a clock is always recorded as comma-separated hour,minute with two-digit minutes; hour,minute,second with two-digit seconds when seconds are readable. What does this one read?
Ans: 2,28
